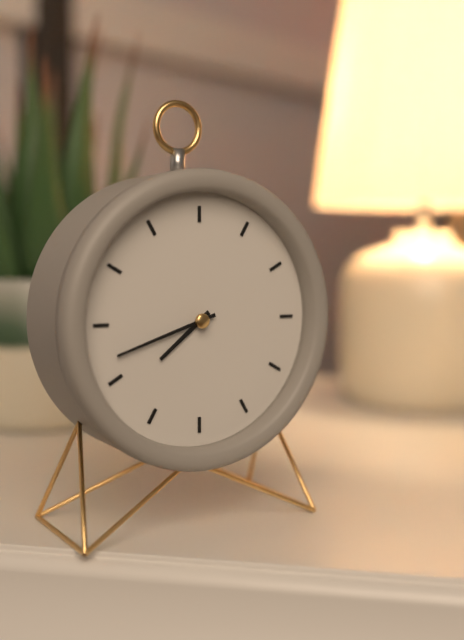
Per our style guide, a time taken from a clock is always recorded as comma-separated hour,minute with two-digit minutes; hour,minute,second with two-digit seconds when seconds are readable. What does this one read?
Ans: 7,42
